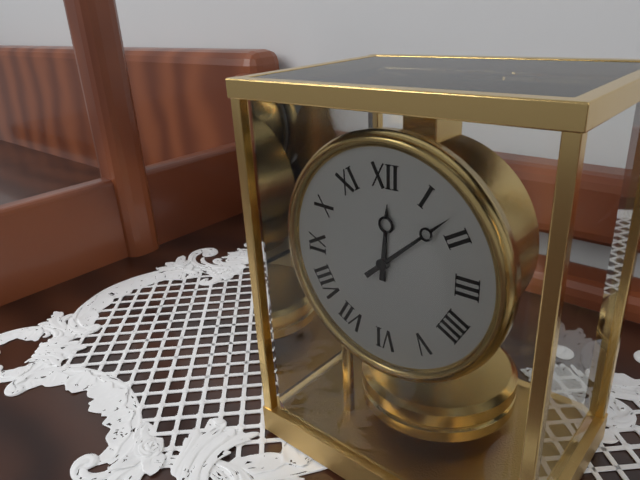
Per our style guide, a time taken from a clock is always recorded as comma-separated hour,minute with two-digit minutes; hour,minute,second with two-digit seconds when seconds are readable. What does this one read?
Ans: 12,08
